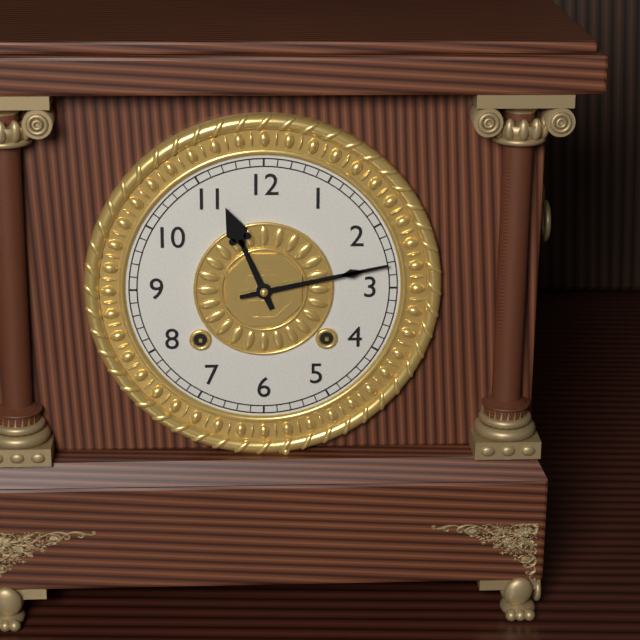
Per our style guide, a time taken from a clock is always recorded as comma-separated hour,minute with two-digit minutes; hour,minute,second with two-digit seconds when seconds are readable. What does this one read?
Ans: 11,13
